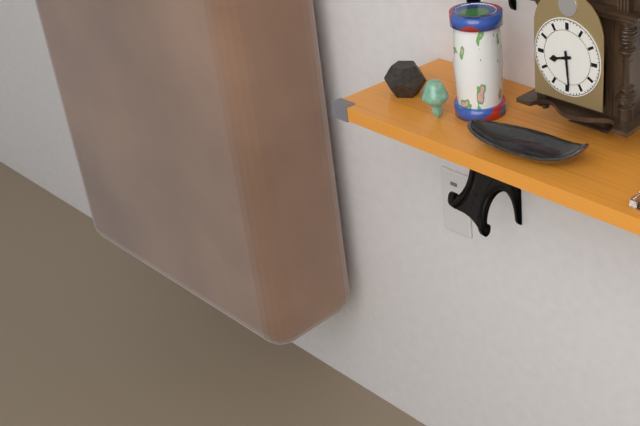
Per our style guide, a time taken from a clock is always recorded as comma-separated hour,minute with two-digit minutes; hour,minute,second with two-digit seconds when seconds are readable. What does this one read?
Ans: 8,29
